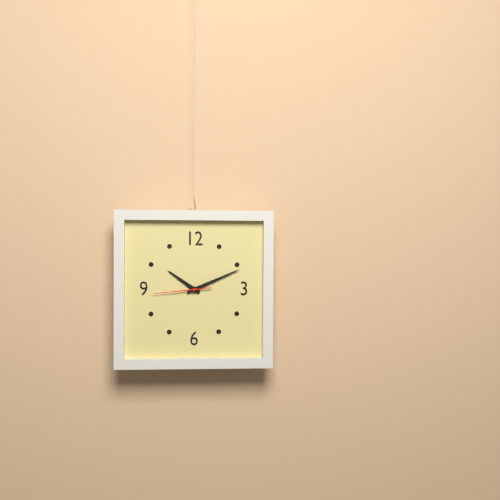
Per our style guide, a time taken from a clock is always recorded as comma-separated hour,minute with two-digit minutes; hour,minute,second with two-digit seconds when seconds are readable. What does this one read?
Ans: 10,11,44
